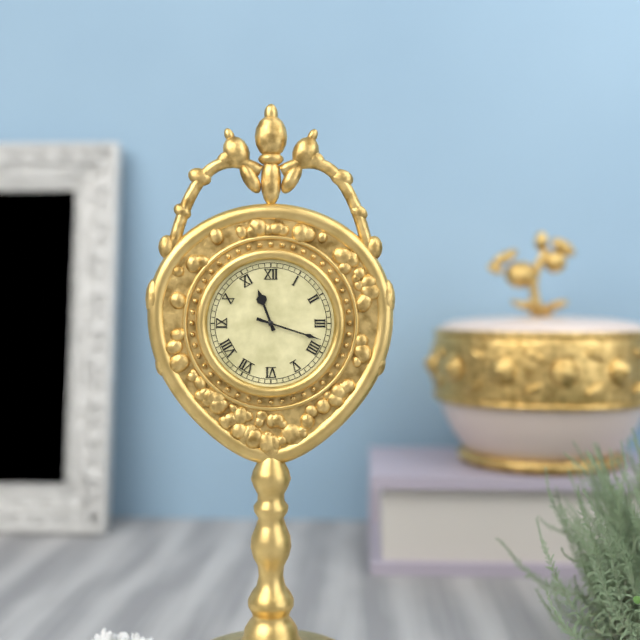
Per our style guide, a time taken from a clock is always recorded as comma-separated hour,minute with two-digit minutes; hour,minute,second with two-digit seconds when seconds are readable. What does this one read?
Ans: 11,18
